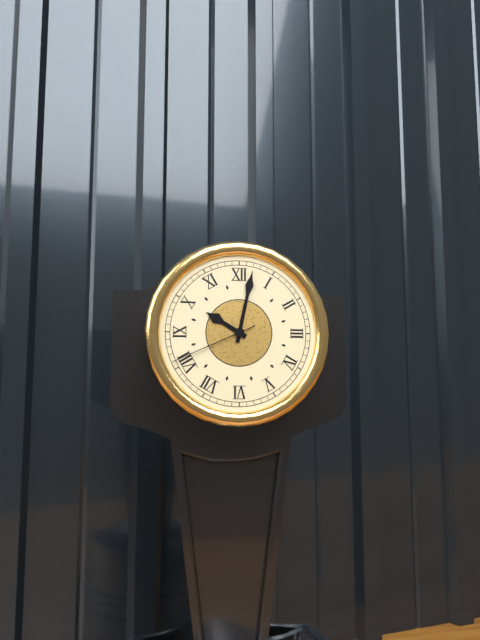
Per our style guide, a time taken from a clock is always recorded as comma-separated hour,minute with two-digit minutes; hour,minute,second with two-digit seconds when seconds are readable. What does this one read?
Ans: 10,02,41
